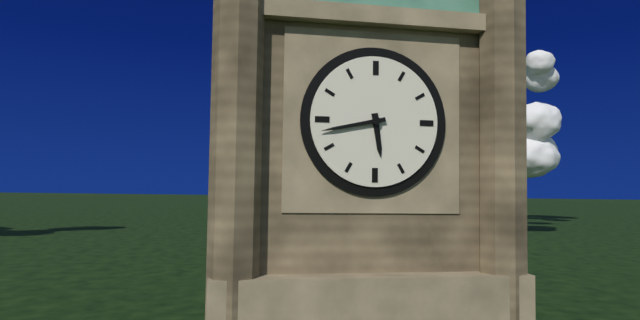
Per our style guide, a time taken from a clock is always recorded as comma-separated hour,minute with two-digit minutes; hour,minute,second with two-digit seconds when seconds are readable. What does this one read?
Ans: 5,43
